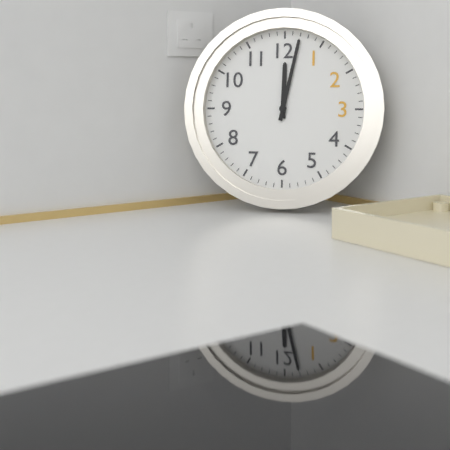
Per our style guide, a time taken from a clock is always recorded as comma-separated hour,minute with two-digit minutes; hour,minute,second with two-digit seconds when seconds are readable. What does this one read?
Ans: 12,02
